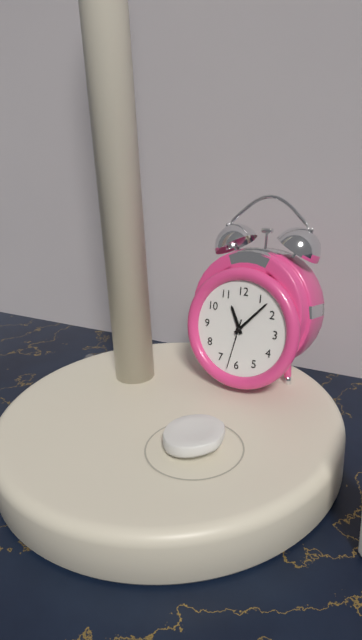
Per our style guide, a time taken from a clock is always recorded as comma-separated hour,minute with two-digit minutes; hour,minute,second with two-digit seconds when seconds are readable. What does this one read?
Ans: 11,07,32
